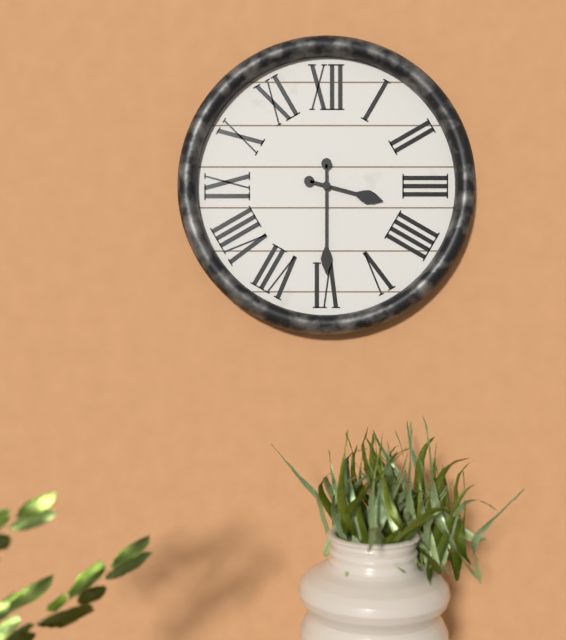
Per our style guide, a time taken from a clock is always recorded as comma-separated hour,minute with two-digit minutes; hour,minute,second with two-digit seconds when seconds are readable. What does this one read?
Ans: 3,30
